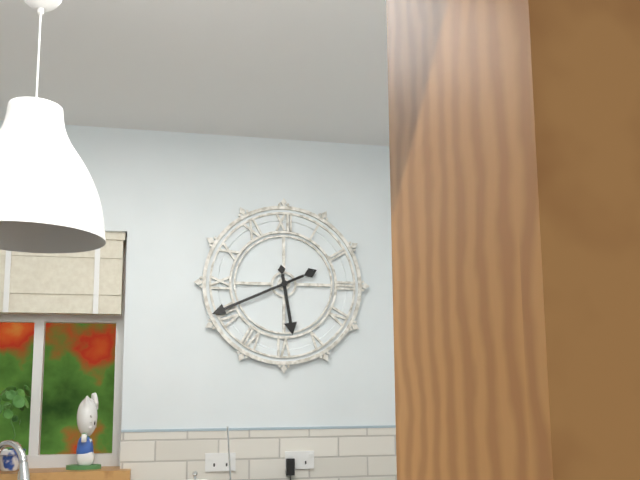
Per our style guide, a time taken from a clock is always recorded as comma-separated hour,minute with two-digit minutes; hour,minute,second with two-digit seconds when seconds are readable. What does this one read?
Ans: 5,41
